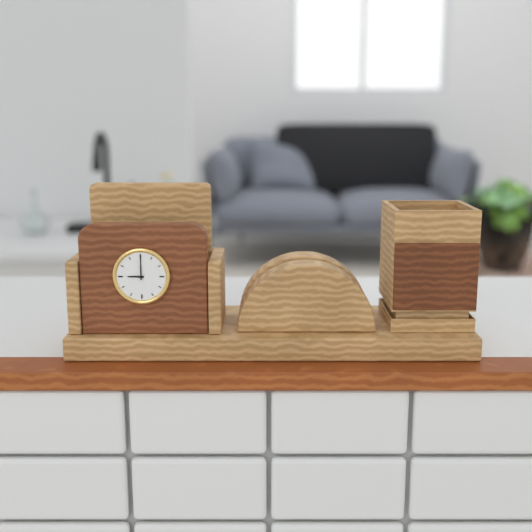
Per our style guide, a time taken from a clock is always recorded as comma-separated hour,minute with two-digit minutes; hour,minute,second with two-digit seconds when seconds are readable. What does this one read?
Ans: 9,00
